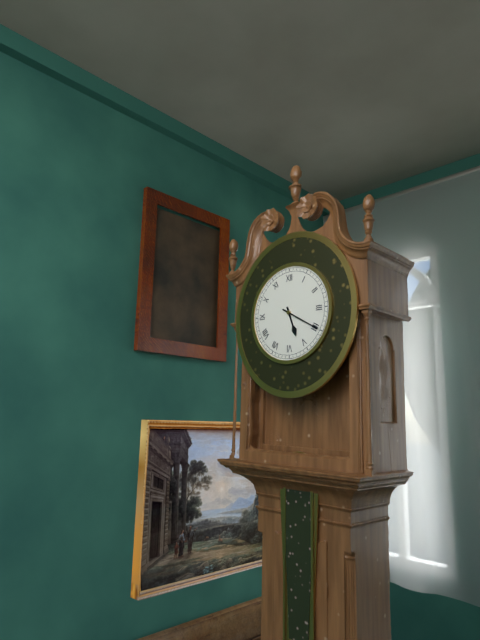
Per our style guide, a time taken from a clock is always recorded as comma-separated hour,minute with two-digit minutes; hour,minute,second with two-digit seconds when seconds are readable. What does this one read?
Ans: 5,20
